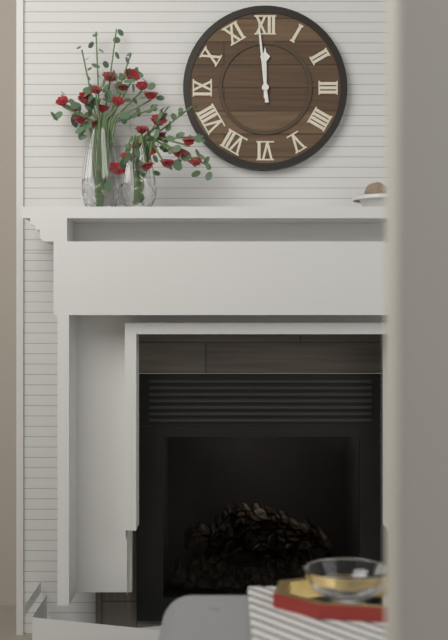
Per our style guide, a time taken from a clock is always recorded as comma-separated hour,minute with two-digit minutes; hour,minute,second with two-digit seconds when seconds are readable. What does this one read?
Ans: 11,59
